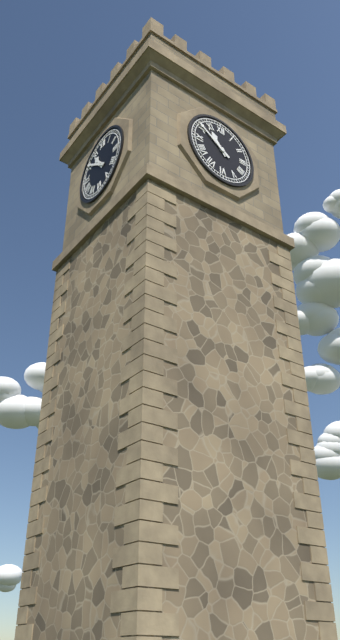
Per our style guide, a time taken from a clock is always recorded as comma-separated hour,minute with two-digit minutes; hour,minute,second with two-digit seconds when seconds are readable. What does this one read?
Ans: 10,51
